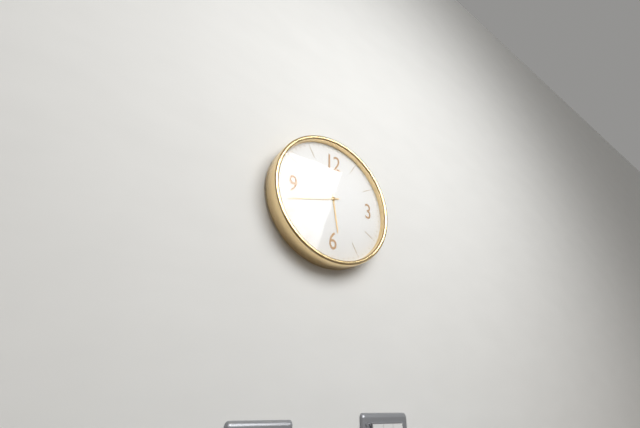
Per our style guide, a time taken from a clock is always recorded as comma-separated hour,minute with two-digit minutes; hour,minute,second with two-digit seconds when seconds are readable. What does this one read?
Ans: 5,42
